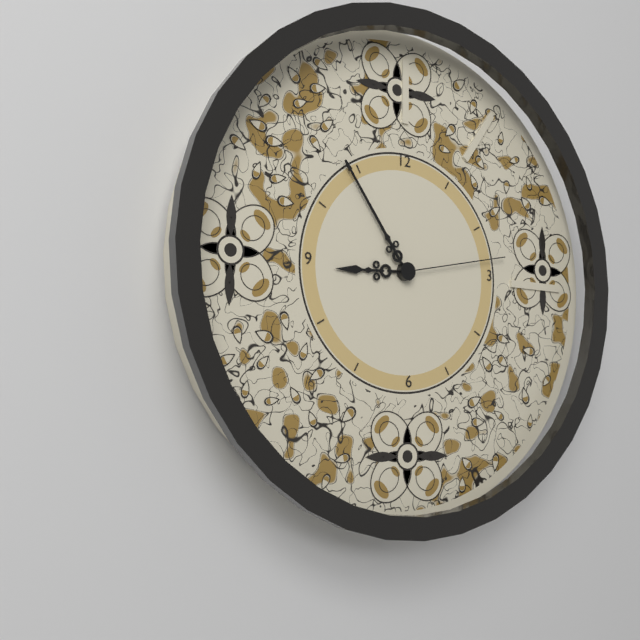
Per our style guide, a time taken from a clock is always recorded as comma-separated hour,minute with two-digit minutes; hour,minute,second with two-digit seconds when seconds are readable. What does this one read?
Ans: 8,54,13
